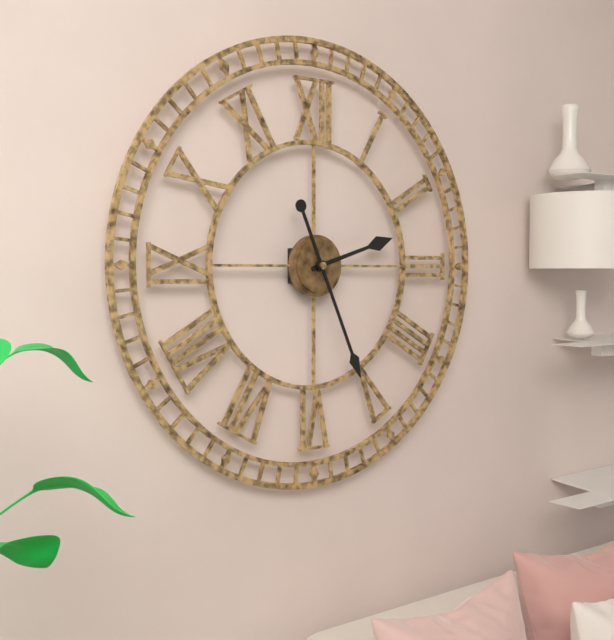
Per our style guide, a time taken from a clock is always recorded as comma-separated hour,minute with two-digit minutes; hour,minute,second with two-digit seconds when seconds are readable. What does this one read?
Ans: 2,26
